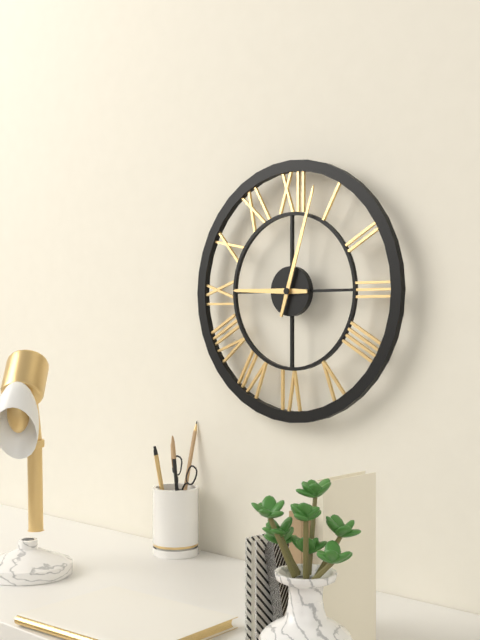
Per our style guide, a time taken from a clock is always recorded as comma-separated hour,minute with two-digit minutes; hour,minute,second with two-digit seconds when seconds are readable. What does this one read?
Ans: 9,03
